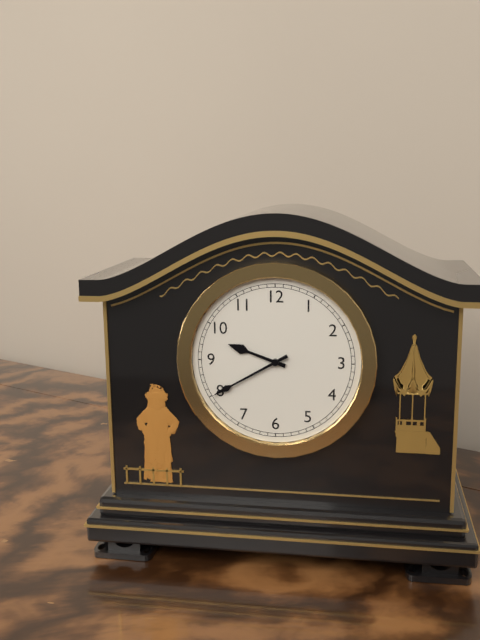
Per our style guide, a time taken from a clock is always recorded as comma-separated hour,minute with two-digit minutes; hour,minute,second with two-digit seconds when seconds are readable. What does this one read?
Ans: 9,40
